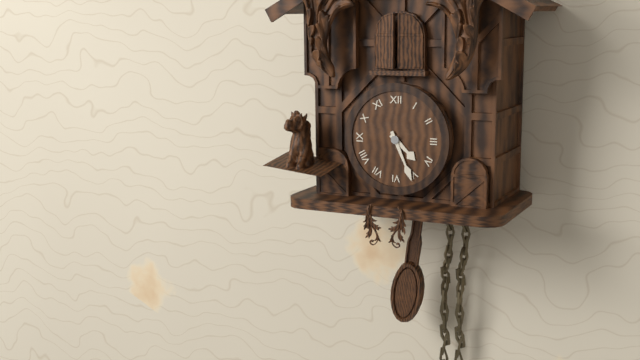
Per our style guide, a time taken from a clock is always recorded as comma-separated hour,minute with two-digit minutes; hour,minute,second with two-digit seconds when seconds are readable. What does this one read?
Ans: 4,26
